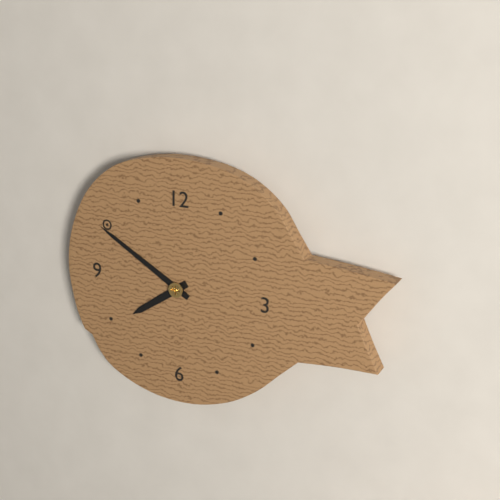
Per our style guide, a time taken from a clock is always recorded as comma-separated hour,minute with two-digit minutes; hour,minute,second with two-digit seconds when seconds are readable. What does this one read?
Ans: 7,50
